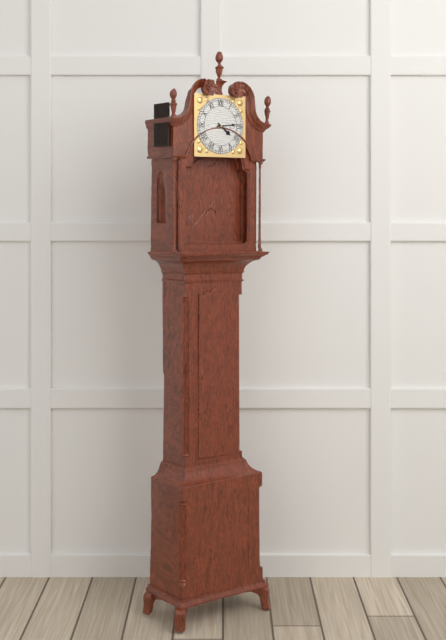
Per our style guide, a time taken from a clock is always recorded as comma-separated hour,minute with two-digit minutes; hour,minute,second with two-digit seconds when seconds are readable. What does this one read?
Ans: 4,14
